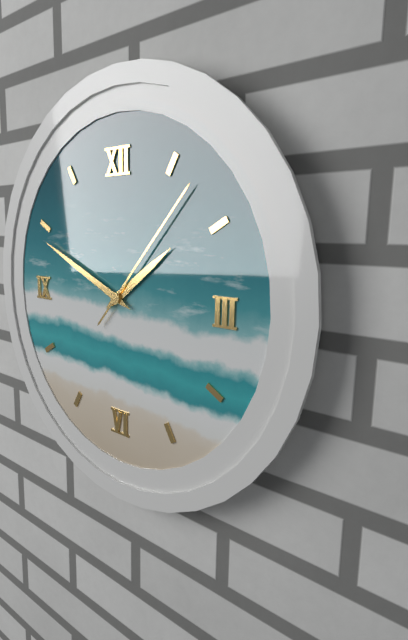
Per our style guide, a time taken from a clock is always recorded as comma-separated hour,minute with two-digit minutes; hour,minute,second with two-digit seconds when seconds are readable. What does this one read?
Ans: 1,49,07
